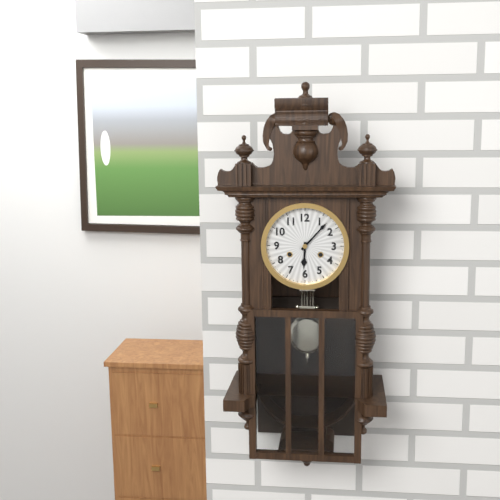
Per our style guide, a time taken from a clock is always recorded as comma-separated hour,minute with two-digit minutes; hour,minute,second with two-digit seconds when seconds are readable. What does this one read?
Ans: 6,07
